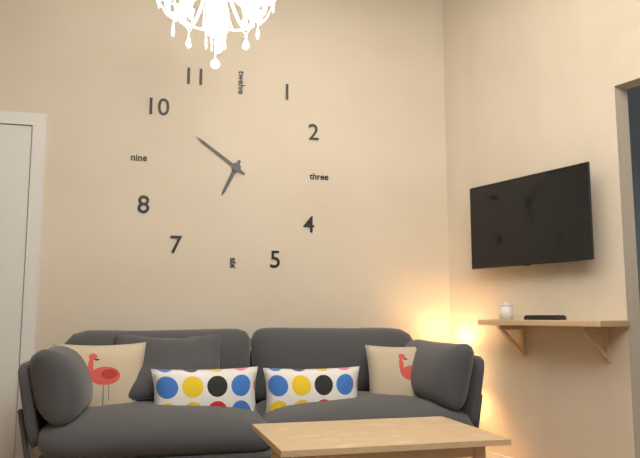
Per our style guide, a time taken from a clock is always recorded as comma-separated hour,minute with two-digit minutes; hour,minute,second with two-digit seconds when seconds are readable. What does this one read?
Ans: 6,51
